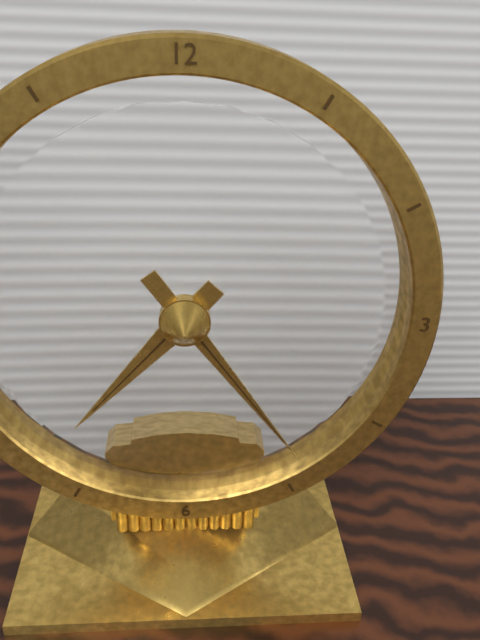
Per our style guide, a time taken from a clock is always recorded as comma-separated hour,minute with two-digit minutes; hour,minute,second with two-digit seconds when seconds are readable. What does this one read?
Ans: 7,24
